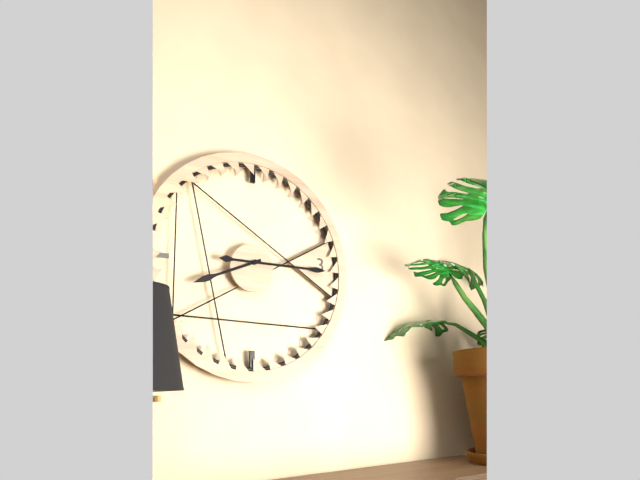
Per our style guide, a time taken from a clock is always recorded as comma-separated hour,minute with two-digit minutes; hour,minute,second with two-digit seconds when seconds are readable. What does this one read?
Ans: 8,15
